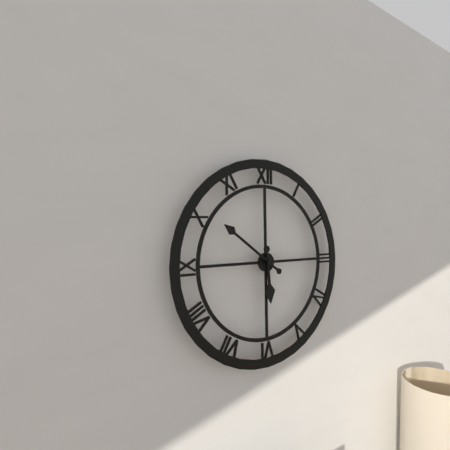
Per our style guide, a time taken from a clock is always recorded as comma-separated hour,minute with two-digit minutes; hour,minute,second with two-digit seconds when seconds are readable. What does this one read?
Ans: 5,51
